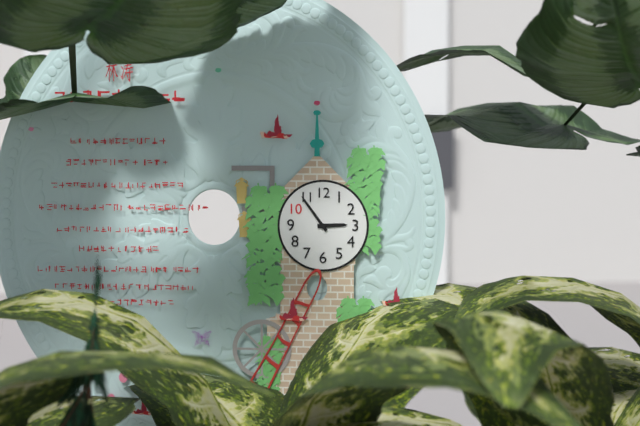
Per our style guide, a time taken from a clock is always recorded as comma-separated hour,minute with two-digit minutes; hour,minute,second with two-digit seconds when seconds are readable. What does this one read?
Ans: 2,54
